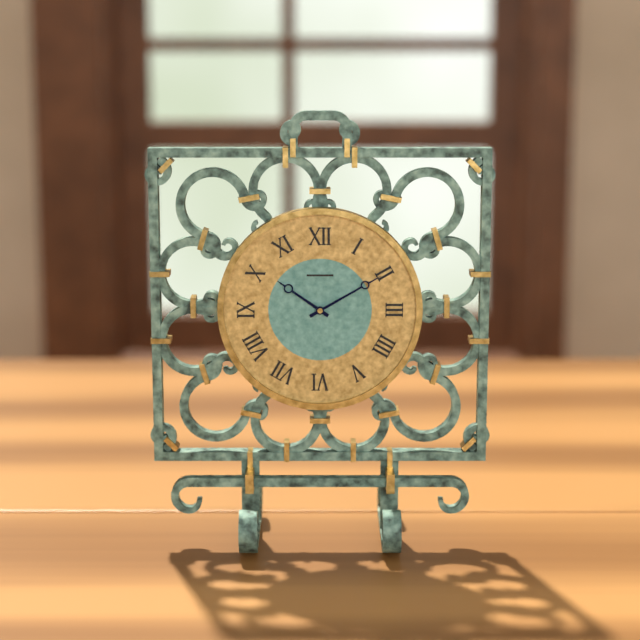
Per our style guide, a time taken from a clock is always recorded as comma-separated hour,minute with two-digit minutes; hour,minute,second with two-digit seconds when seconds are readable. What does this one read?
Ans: 10,10
